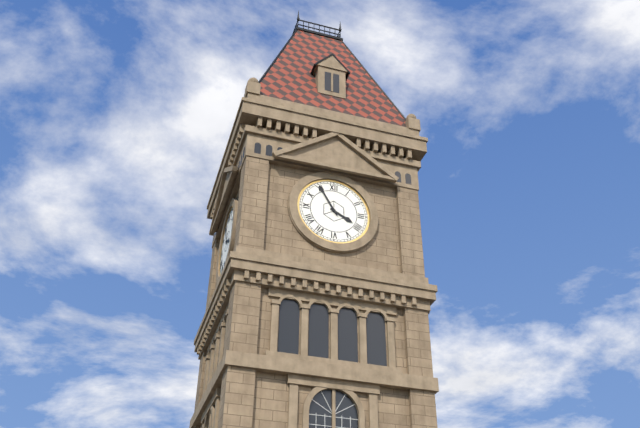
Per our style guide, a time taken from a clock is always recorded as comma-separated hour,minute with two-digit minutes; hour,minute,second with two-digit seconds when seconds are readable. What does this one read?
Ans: 3,55
